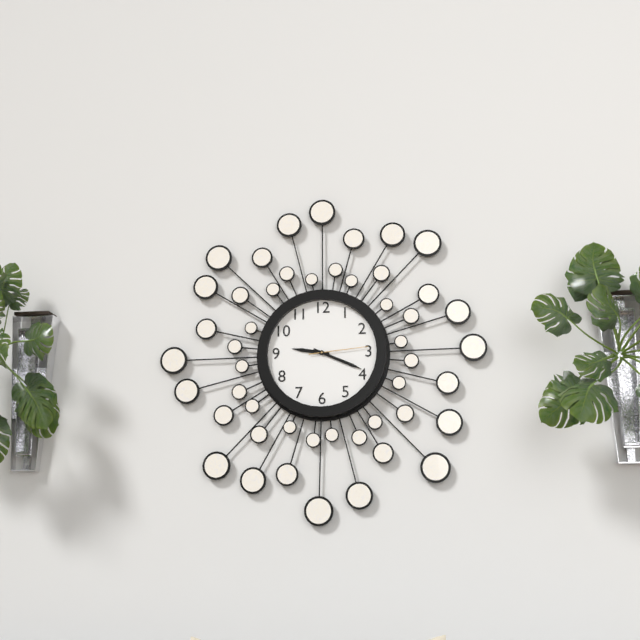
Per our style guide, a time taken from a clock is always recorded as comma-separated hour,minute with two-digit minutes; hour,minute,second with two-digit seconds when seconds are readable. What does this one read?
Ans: 9,19,14
